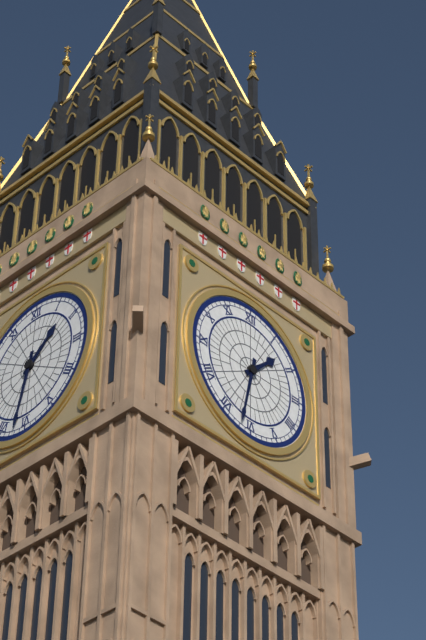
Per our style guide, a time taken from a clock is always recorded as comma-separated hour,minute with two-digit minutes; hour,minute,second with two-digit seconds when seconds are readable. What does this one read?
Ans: 1,32
